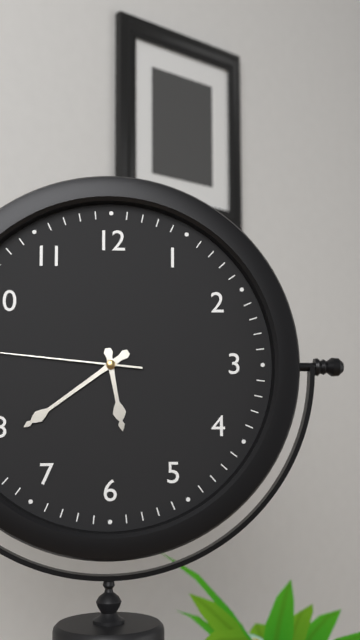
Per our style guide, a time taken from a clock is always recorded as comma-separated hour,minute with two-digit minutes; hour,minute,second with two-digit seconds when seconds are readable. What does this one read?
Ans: 5,39
